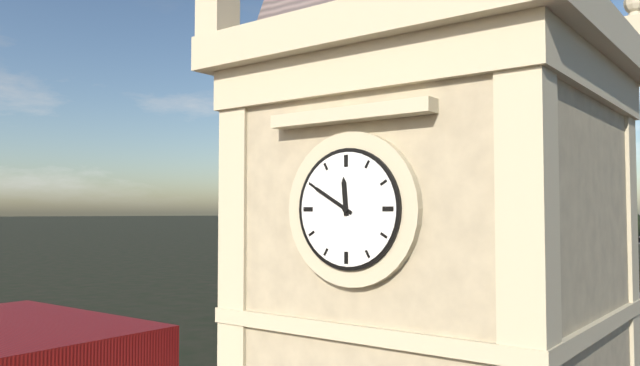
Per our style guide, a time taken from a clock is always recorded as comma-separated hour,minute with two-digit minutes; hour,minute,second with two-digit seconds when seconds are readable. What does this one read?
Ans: 11,50
